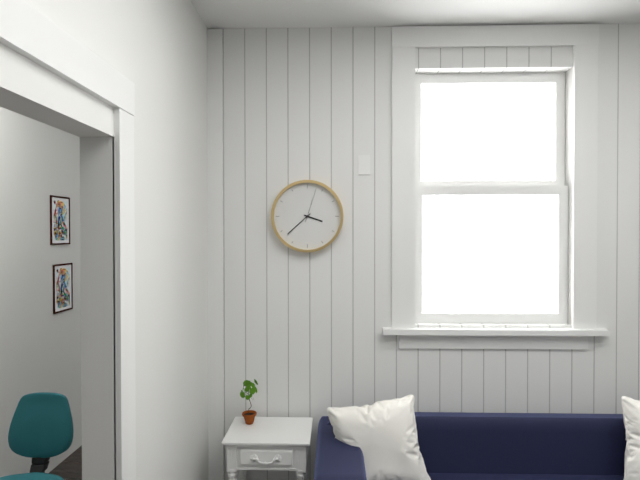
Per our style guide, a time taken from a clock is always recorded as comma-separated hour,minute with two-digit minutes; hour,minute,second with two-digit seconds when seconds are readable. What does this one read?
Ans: 3,38
